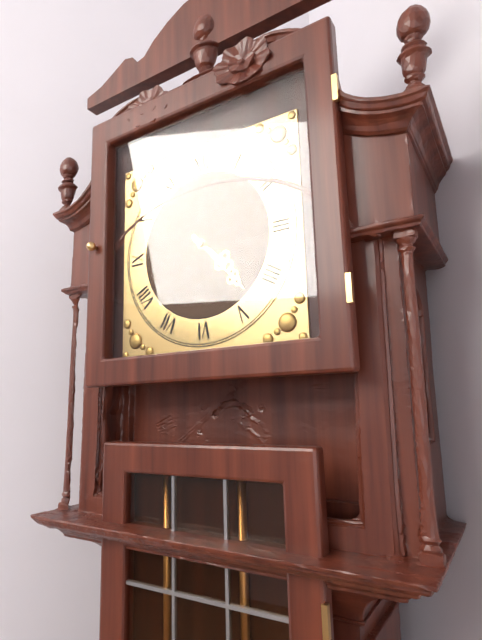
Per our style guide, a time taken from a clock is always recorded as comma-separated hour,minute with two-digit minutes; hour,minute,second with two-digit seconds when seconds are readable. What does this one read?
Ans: 4,23
